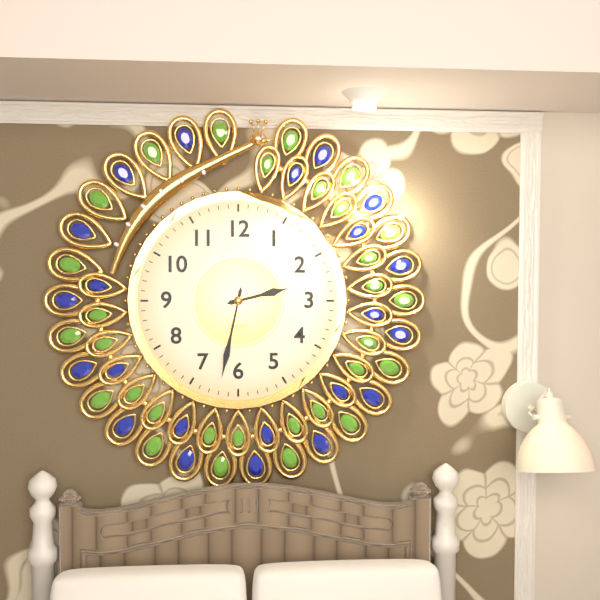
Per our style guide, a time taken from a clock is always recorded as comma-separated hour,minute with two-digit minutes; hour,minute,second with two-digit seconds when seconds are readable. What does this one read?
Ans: 2,32
